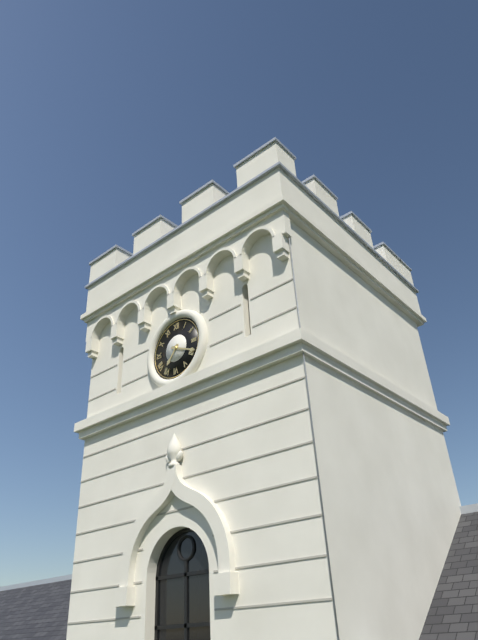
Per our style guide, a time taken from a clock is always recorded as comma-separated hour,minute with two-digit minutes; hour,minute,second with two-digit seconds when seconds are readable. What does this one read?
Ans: 7,19
